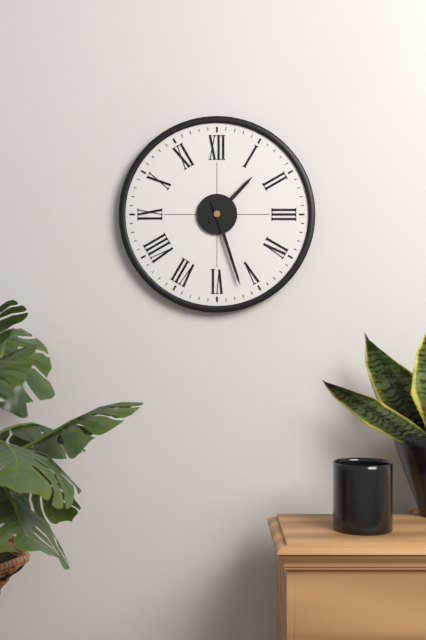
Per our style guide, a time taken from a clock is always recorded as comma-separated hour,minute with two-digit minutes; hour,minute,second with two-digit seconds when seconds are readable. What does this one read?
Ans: 1,27
